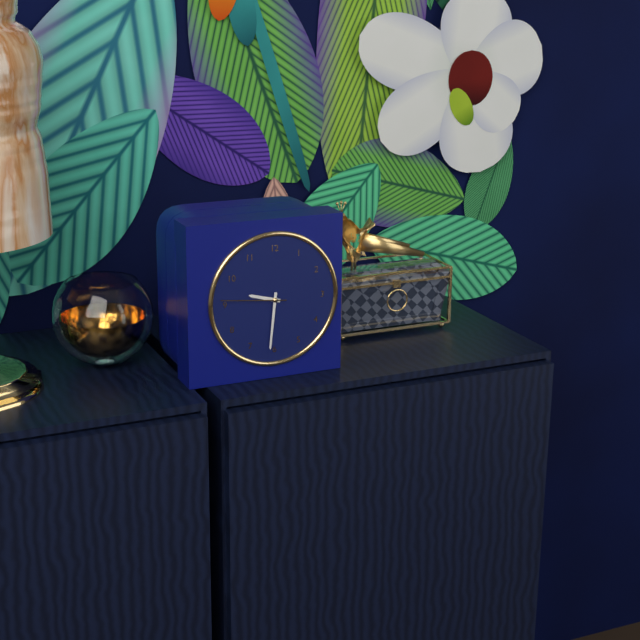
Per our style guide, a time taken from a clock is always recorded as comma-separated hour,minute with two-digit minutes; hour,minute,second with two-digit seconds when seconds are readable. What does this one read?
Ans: 9,31,46
